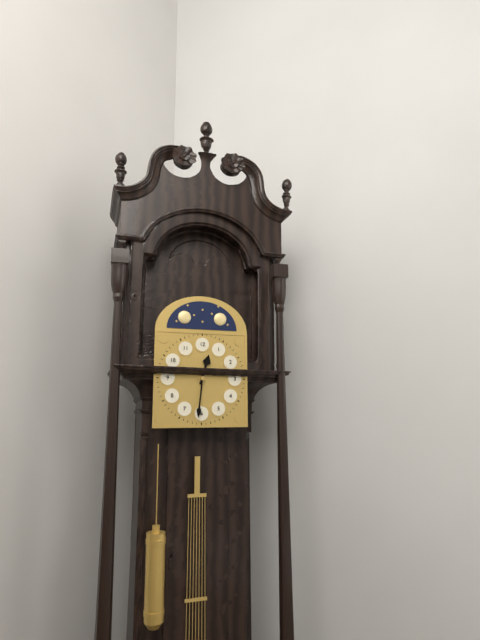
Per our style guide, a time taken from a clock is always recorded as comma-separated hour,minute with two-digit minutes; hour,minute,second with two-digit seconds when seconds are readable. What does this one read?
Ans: 12,31
